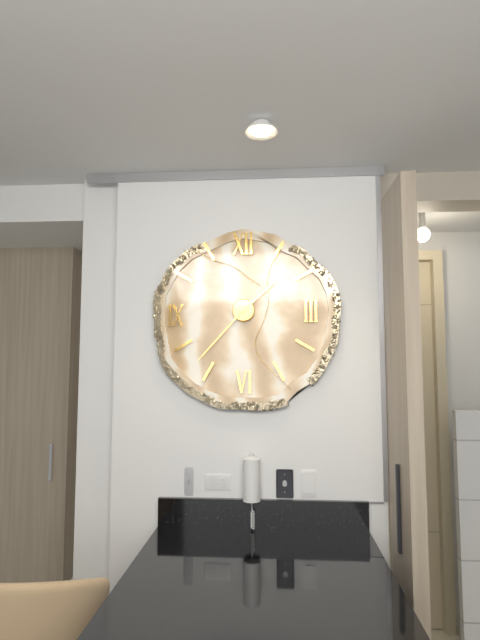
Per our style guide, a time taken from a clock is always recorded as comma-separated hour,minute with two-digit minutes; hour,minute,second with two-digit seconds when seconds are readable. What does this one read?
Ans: 1,37
